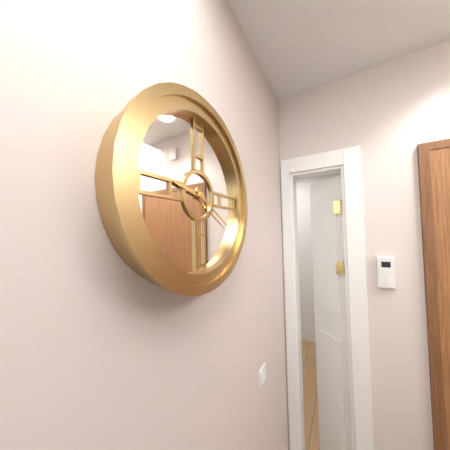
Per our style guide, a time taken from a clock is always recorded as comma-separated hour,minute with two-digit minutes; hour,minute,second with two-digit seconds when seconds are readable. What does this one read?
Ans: 9,20
